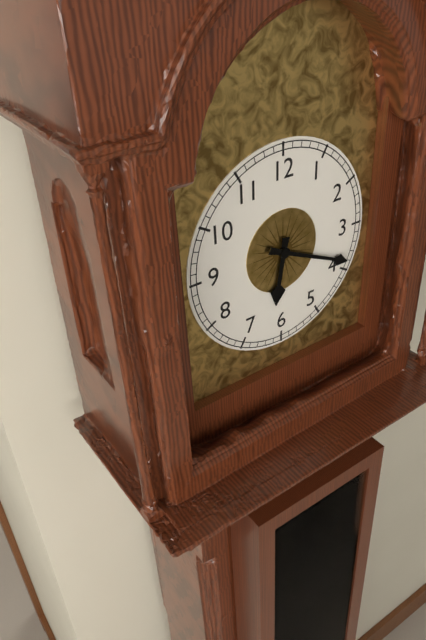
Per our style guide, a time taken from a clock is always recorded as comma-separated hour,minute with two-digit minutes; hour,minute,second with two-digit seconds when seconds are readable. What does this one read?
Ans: 6,19
